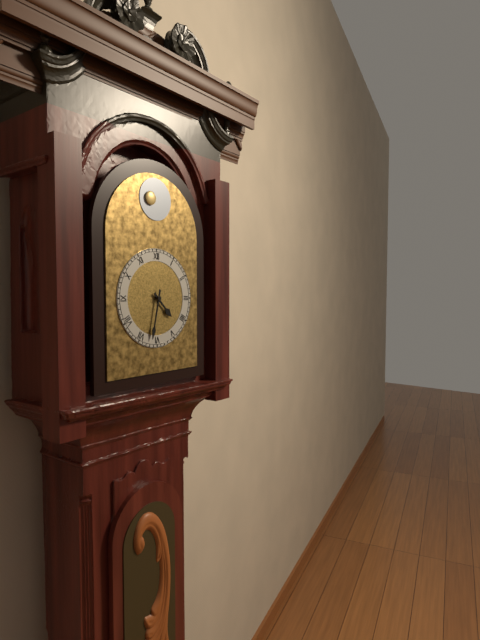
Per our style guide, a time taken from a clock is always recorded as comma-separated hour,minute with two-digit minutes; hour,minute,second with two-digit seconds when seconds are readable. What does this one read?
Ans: 4,32
